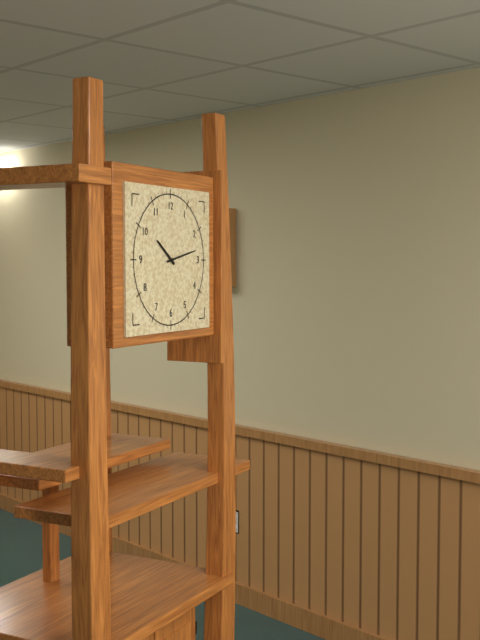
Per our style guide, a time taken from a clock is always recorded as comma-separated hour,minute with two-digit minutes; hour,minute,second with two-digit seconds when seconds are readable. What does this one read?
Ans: 10,13
